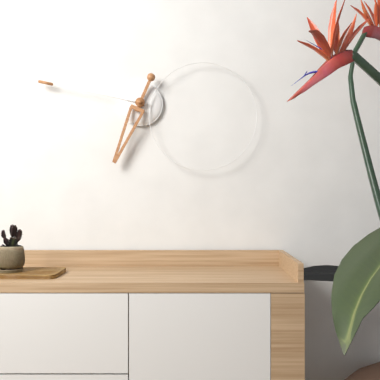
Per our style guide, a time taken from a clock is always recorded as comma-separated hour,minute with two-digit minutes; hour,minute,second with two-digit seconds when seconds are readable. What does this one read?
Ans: 6,47
